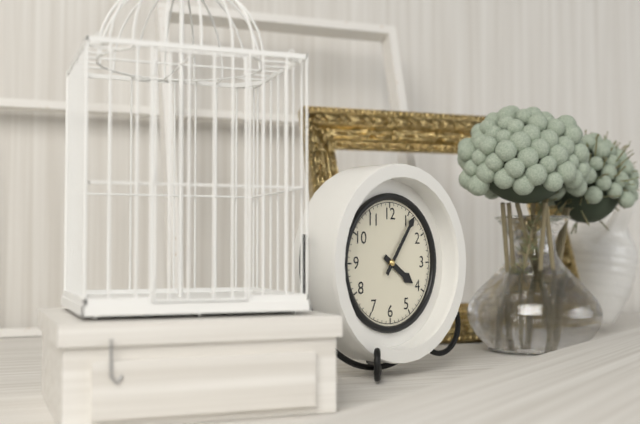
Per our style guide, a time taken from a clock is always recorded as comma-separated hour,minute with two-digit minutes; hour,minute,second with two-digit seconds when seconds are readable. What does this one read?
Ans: 4,06
